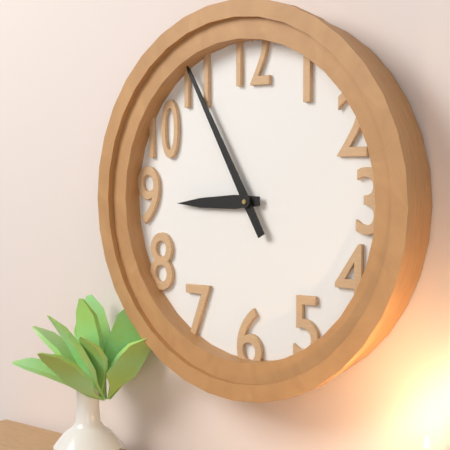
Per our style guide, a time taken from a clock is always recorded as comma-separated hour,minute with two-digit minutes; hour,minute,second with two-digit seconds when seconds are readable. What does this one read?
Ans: 8,55
